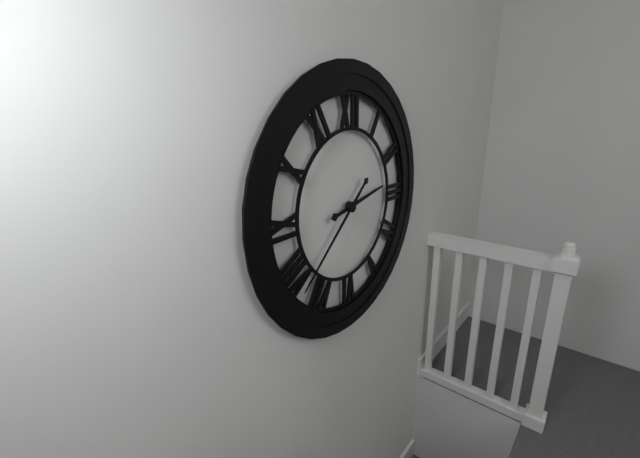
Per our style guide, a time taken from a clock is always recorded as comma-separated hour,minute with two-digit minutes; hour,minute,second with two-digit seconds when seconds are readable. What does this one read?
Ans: 2,38
